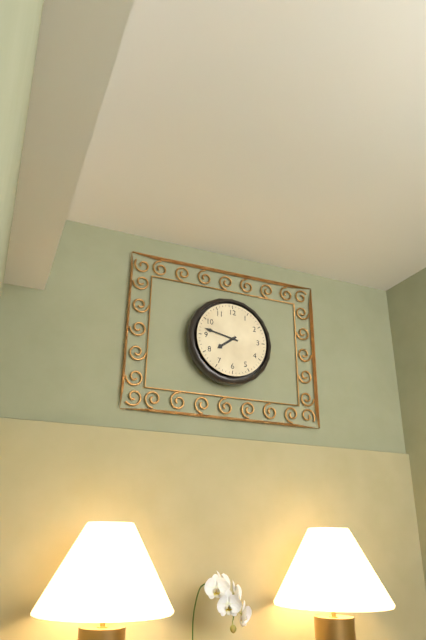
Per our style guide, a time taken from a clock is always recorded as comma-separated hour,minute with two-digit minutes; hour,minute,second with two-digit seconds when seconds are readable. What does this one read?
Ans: 7,47
